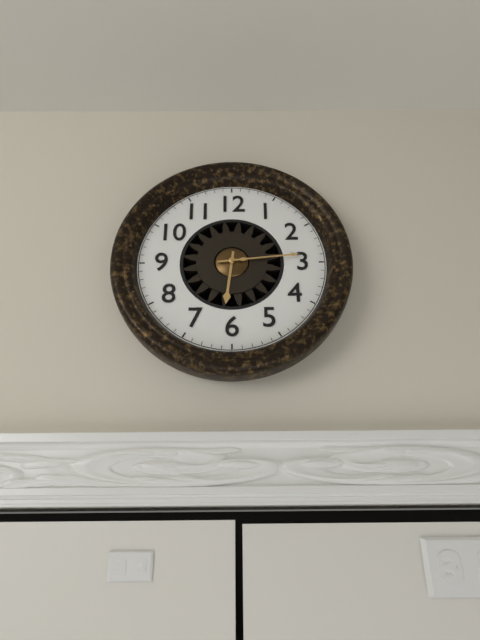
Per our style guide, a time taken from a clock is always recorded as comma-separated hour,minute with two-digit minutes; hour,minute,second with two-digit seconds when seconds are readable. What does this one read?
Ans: 6,14
